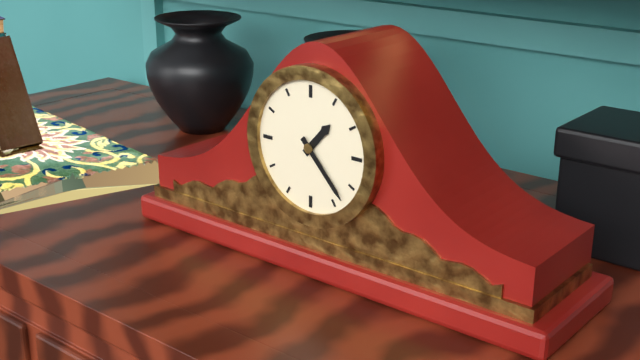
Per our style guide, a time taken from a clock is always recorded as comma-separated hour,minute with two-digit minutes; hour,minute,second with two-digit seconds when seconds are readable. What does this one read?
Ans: 1,23
